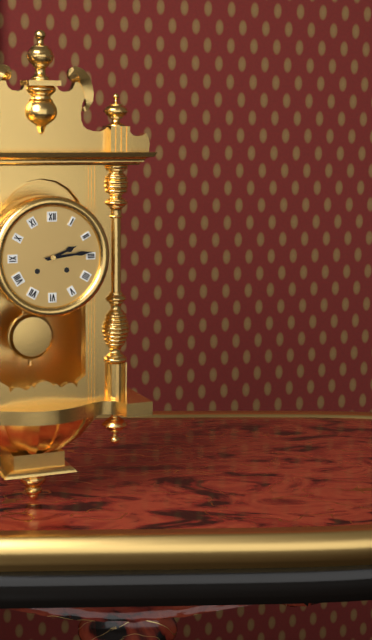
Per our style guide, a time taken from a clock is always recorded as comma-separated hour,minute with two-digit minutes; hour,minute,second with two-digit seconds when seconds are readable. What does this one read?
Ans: 2,14
